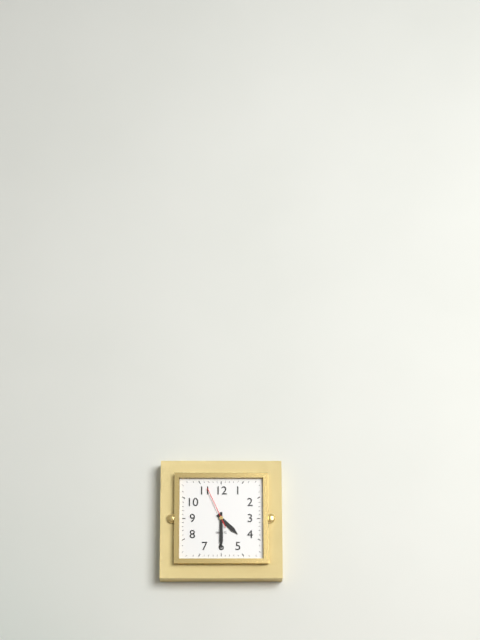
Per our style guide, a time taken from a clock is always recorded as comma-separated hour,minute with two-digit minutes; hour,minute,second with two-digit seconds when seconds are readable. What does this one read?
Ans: 4,30
